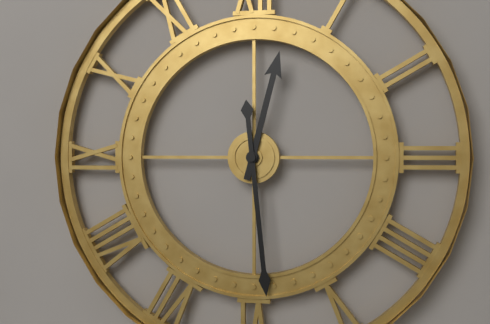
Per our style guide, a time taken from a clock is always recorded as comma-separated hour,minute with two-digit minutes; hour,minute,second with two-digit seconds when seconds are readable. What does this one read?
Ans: 12,29
